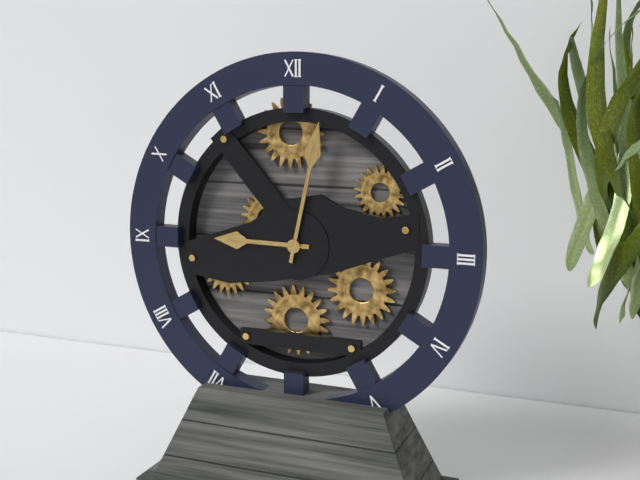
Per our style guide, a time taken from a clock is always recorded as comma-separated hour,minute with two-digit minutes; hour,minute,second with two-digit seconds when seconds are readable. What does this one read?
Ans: 9,02
